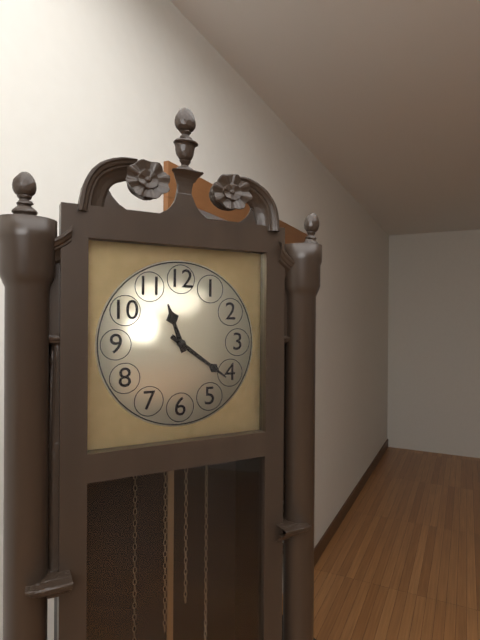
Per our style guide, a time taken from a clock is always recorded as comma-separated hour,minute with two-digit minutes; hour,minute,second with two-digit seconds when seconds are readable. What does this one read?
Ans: 11,21
